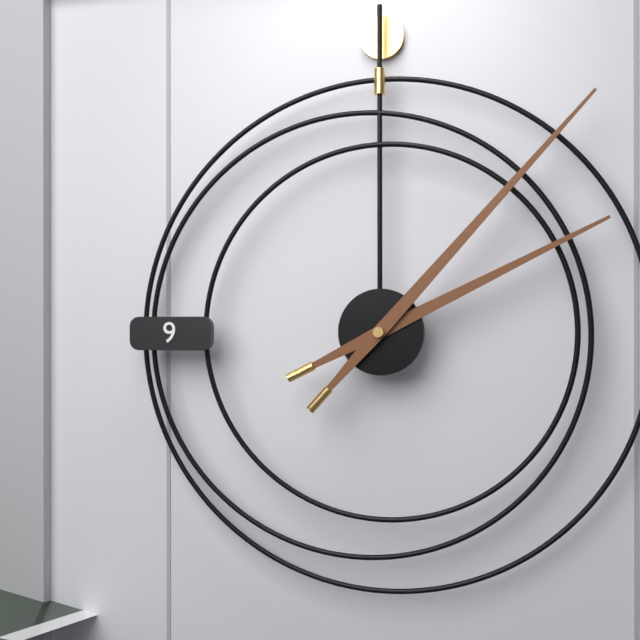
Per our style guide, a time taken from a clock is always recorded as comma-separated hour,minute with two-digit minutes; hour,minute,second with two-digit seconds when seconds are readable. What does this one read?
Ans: 2,07
